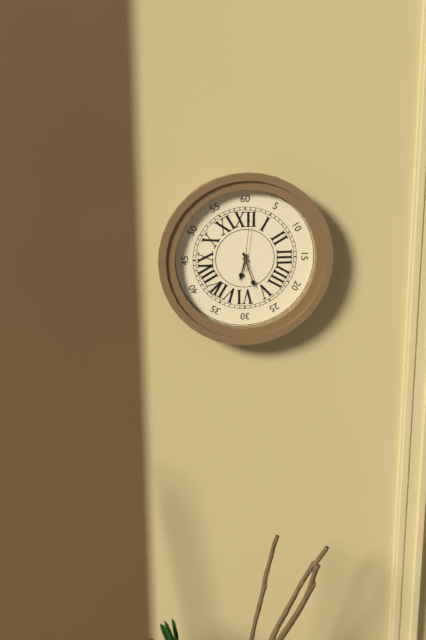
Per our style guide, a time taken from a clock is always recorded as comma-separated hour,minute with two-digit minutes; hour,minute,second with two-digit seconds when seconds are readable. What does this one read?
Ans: 6,27,01
